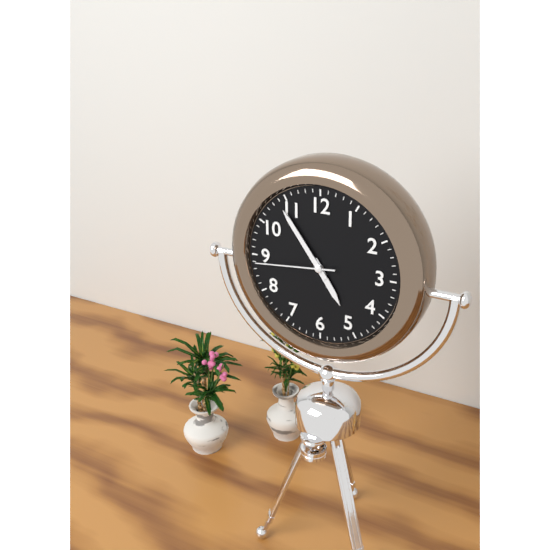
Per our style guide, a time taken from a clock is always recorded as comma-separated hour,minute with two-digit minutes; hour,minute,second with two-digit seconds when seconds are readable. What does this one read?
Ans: 4,54,44
